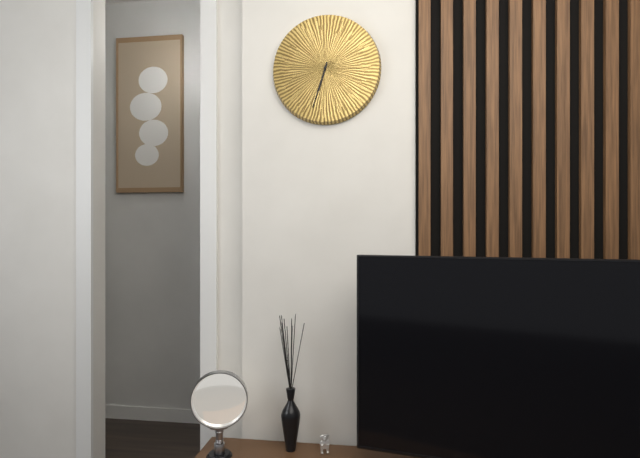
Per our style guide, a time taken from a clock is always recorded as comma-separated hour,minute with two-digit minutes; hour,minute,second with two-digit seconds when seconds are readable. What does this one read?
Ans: 6,33
